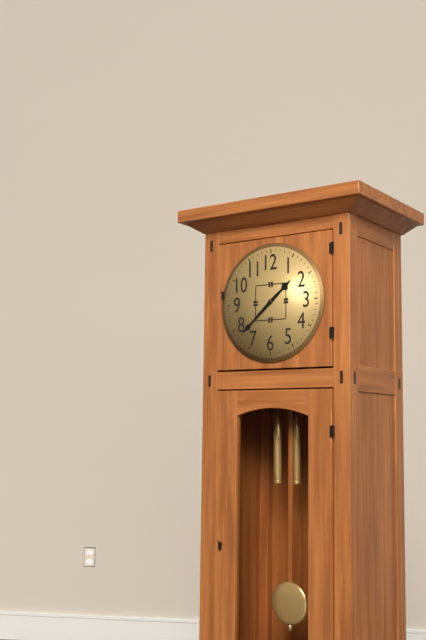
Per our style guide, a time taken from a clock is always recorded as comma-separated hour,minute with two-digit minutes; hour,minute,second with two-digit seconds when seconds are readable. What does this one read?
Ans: 1,38
